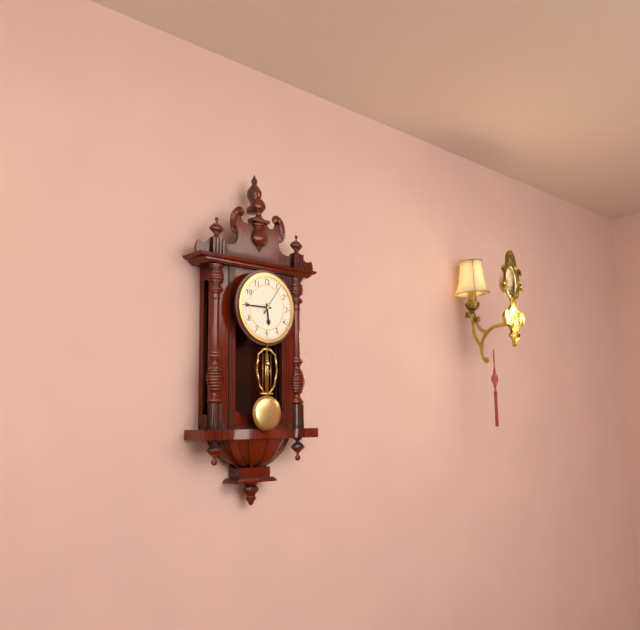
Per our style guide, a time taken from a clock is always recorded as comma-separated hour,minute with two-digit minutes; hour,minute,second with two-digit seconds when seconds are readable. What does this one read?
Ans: 5,45
